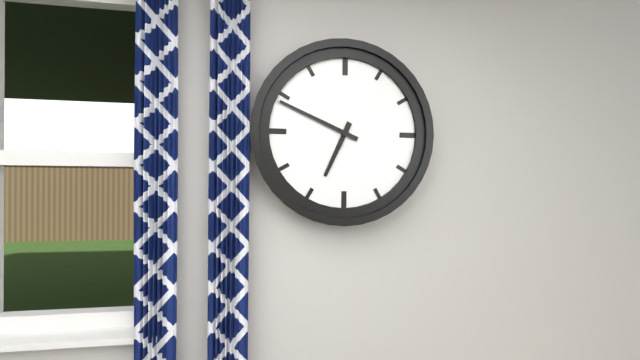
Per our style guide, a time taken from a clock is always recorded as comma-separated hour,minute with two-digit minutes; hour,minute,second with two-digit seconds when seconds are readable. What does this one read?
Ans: 6,49
